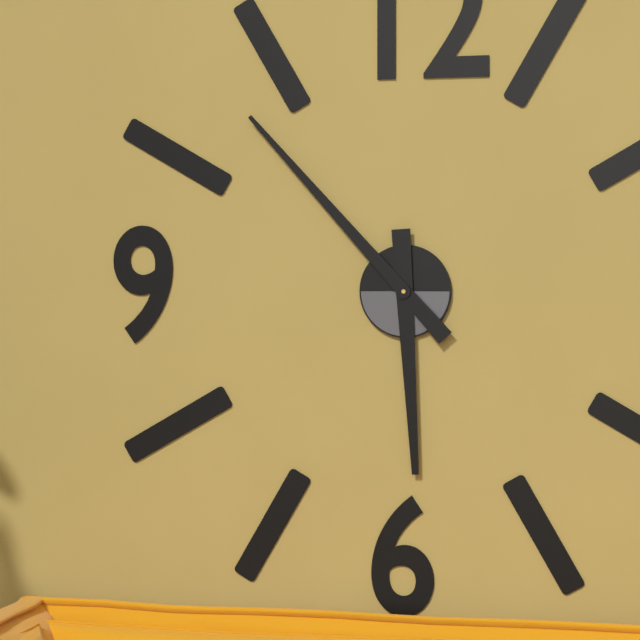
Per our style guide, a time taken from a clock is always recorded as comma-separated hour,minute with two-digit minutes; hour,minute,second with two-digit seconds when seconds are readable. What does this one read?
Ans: 5,53
